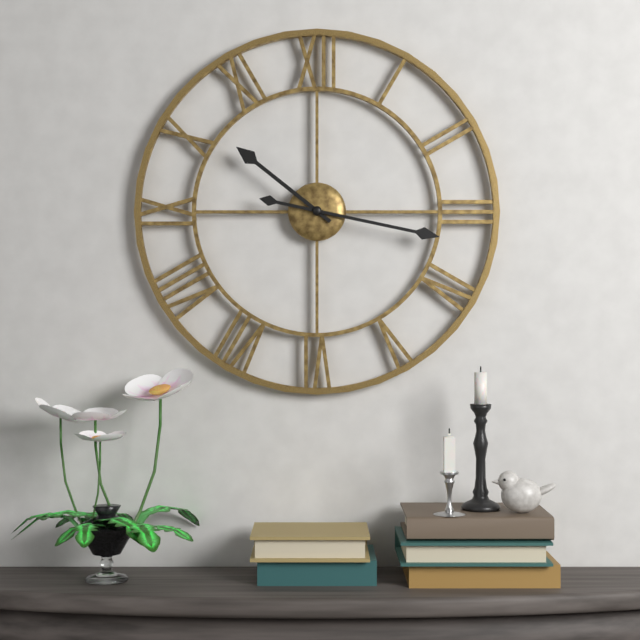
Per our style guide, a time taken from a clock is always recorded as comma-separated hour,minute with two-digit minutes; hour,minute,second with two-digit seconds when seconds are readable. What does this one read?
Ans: 10,17
